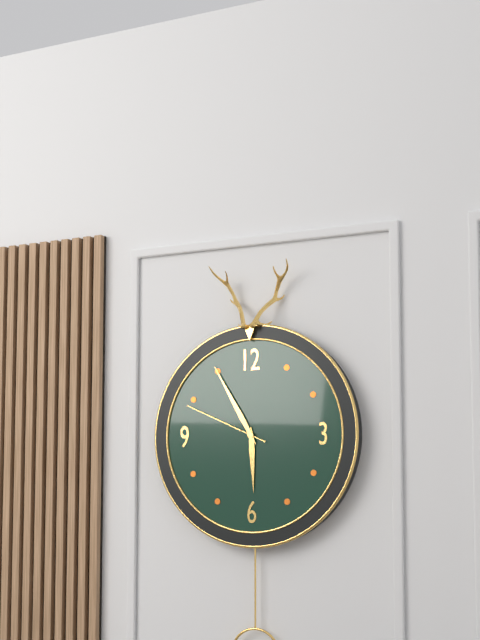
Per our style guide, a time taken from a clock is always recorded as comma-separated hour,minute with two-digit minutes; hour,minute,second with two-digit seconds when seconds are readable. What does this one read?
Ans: 5,55,49
